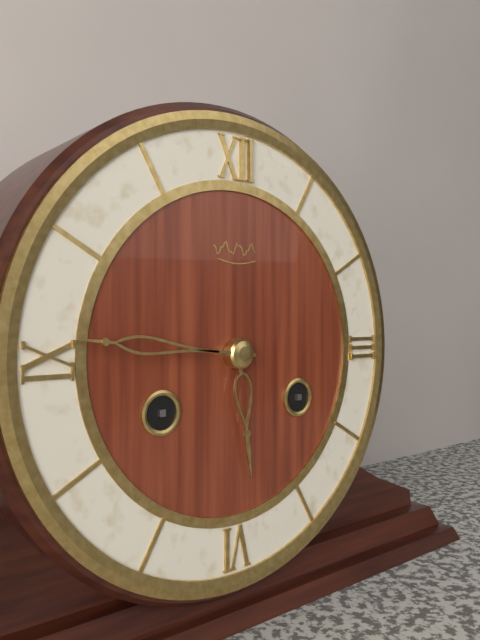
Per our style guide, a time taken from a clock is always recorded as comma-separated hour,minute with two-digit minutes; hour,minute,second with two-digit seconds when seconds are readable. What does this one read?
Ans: 5,46
